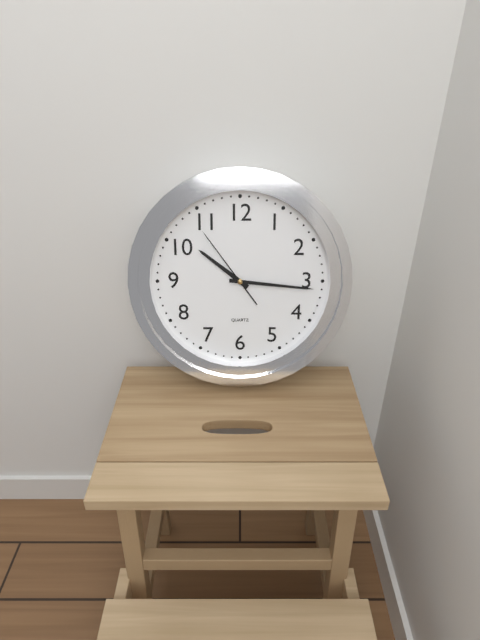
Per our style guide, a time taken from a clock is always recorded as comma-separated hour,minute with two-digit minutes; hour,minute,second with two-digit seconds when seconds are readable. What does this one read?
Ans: 10,16,54
